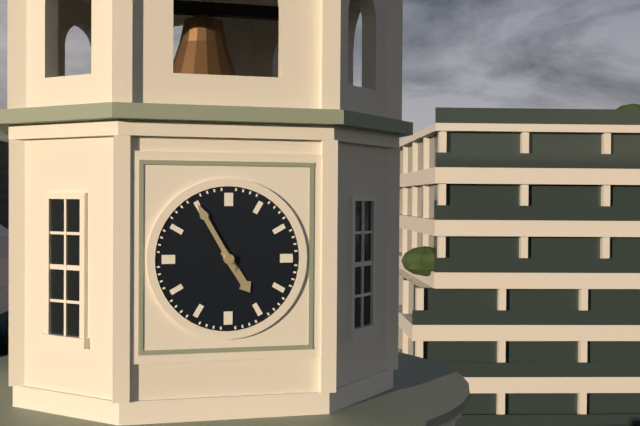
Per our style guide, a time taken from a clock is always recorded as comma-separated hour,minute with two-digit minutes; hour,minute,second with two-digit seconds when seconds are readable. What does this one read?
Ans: 4,55
